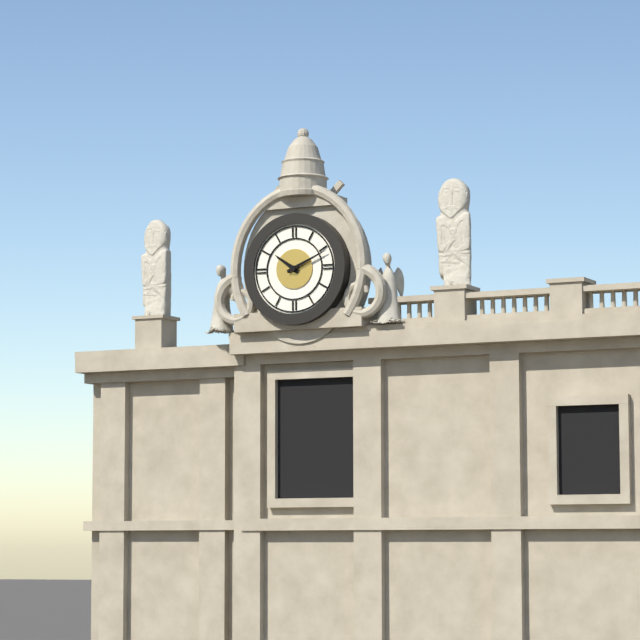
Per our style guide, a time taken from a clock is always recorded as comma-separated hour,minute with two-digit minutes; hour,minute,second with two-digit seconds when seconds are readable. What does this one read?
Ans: 10,11
